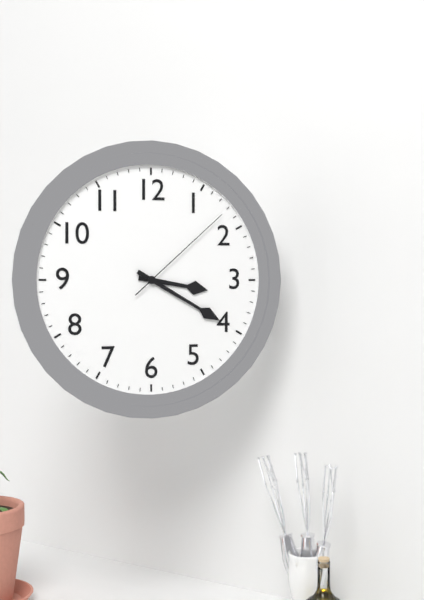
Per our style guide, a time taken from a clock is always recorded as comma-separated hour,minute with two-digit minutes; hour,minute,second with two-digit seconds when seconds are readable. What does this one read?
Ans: 3,20,08
